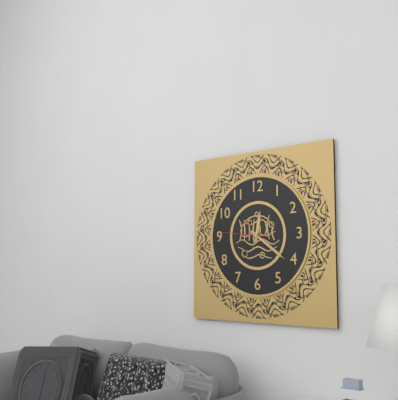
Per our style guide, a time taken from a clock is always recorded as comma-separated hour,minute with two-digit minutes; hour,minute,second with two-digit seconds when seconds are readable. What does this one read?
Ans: 12,21
